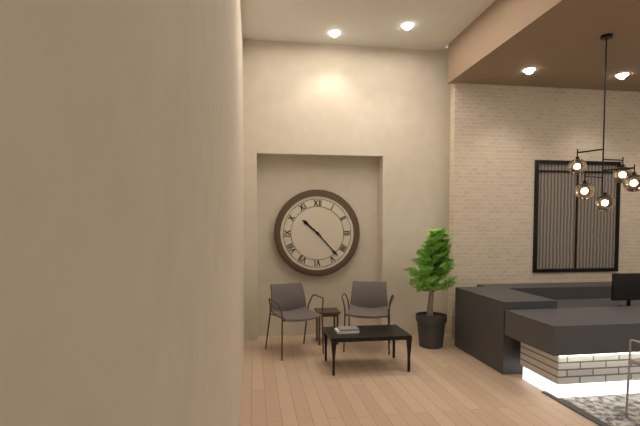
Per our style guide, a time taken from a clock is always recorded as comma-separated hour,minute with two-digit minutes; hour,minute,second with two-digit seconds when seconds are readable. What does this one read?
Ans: 10,23
